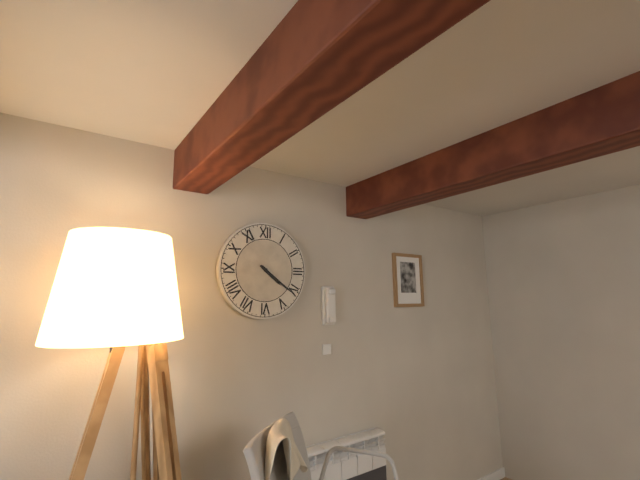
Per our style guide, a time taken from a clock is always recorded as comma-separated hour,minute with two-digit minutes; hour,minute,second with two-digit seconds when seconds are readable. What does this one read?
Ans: 4,21
